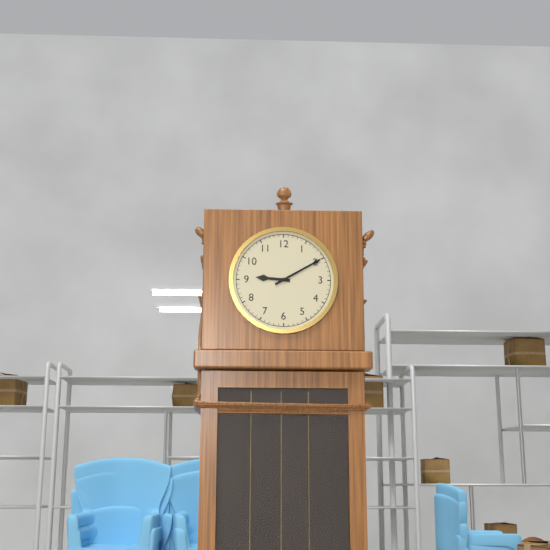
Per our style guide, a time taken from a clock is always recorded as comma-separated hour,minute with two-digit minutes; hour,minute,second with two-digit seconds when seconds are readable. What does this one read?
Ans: 9,10
